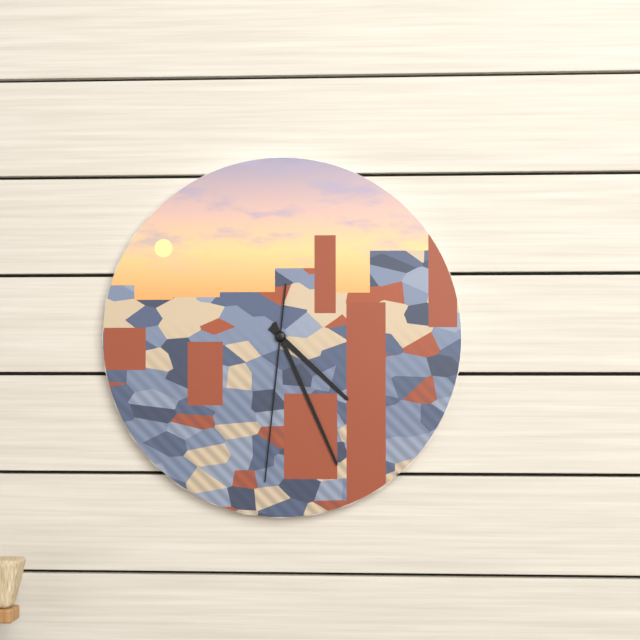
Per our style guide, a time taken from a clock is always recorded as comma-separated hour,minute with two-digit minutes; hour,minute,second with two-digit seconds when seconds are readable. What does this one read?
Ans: 4,26,31
